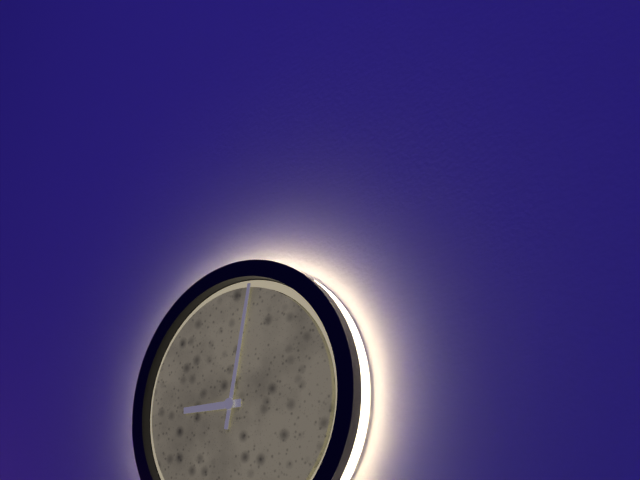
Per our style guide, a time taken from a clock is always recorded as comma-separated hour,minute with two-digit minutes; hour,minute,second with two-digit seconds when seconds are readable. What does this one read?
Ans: 9,02
